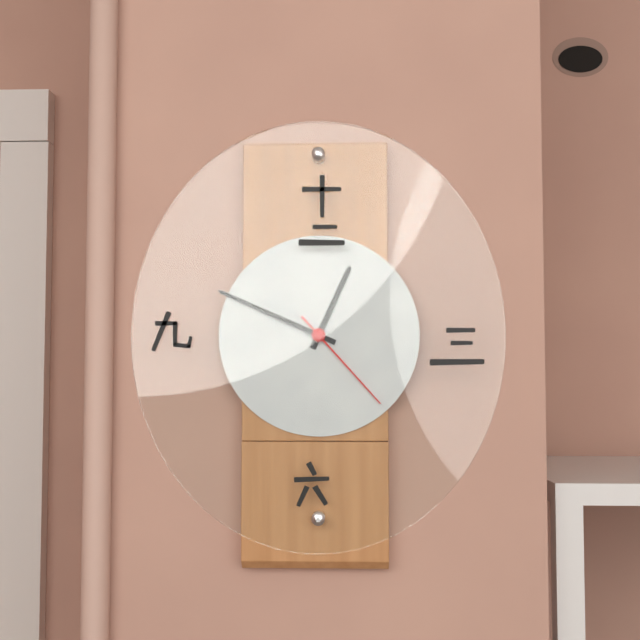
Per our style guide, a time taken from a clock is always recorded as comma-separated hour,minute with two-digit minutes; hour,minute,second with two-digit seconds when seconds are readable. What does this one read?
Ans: 12,49,23
